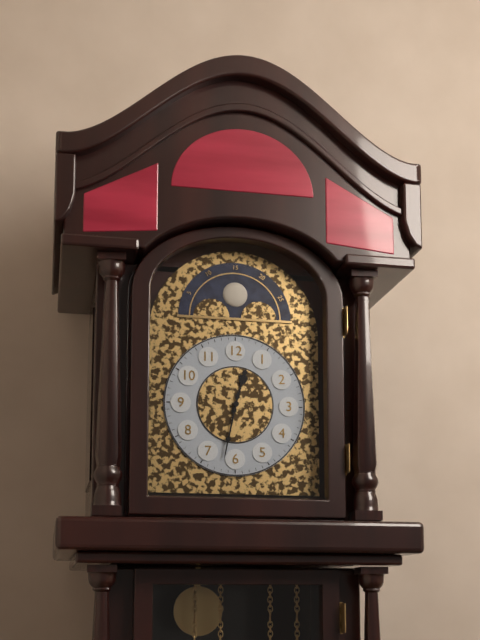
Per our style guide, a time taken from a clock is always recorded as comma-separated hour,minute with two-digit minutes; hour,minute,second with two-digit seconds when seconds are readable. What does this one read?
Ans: 12,32
